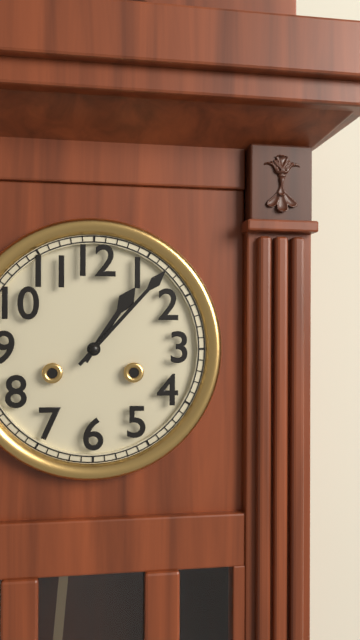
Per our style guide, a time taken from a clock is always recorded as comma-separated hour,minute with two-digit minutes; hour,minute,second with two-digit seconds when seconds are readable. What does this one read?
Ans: 1,07
